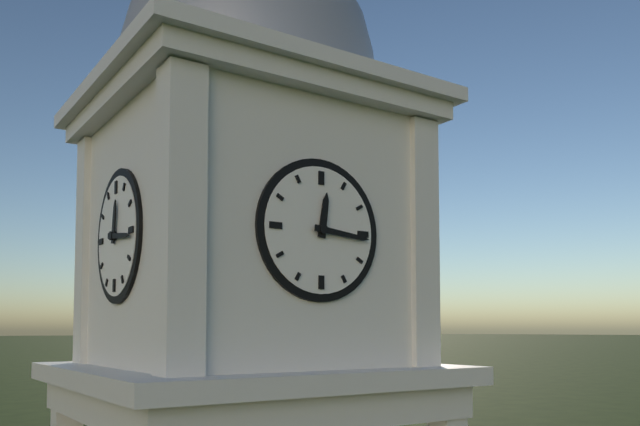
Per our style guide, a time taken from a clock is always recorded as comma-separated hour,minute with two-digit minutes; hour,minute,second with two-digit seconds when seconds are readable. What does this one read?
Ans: 12,16
